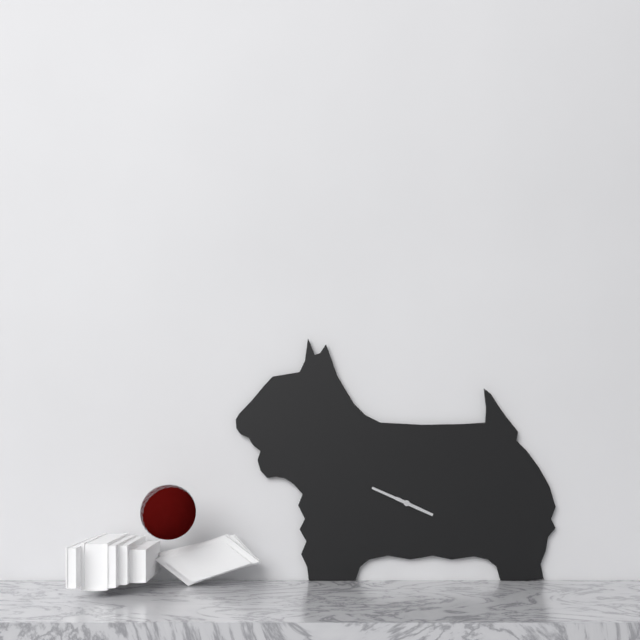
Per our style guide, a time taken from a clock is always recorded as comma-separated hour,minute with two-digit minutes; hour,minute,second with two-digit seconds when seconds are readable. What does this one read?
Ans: 3,49
